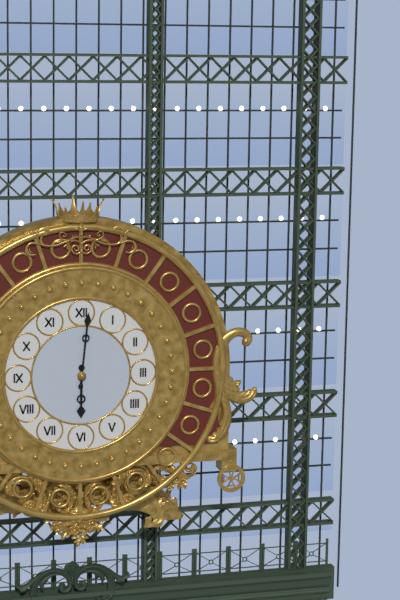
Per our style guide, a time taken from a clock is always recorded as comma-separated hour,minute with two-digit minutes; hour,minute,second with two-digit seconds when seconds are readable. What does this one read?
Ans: 6,01
